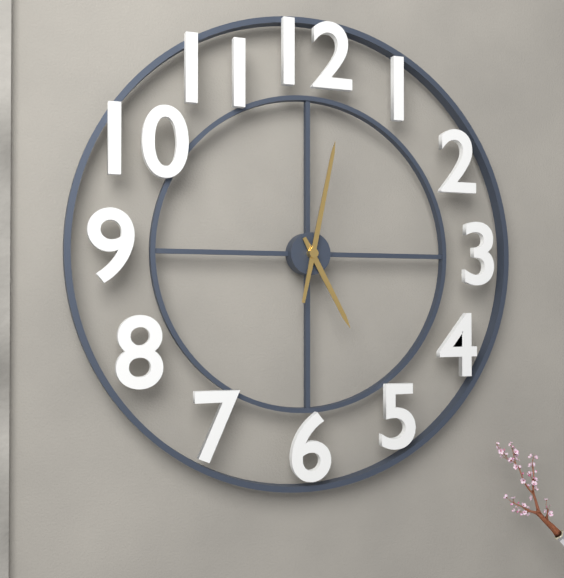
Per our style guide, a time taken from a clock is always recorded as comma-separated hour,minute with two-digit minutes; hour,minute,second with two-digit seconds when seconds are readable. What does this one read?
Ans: 5,02
